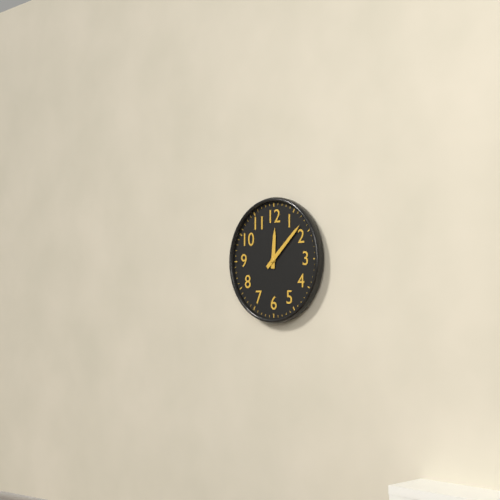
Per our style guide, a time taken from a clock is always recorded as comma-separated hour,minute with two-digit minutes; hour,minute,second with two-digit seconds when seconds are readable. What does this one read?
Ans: 12,08
